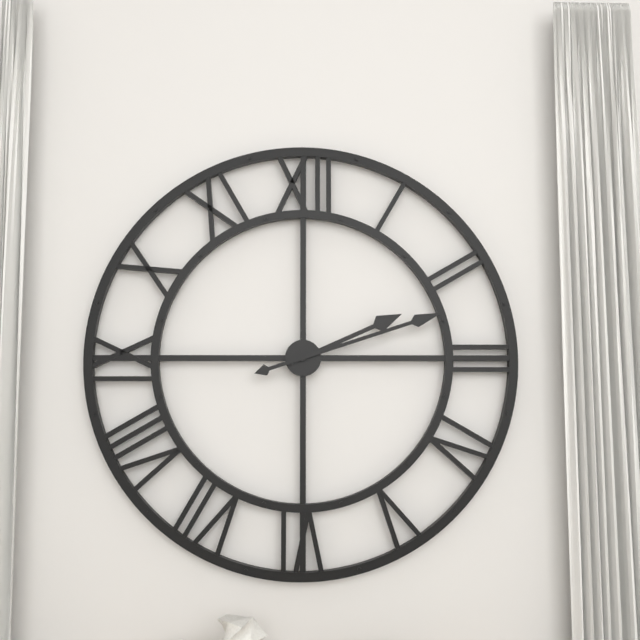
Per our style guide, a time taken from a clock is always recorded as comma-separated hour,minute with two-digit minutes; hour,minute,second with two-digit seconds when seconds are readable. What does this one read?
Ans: 2,12
